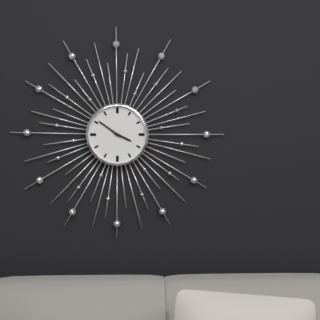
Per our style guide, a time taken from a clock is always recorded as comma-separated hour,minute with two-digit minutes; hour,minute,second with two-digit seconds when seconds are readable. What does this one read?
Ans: 3,51
